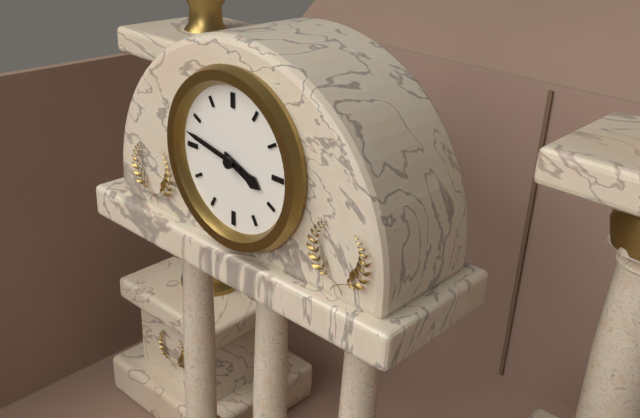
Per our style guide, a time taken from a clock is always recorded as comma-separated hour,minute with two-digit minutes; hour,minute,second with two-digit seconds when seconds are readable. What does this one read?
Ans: 3,47
